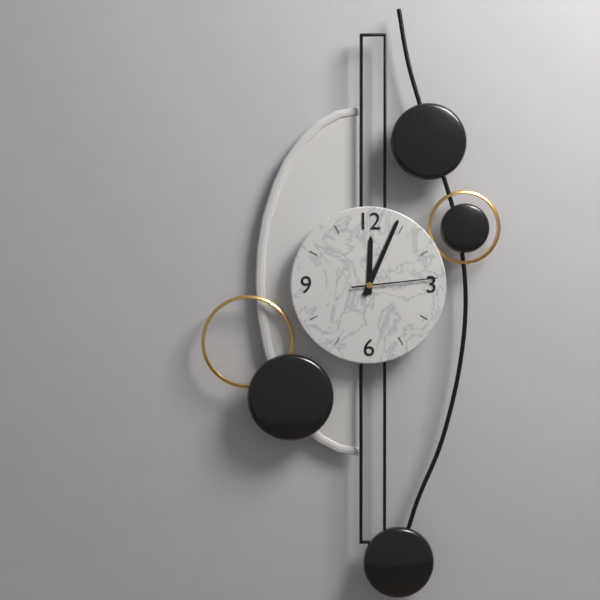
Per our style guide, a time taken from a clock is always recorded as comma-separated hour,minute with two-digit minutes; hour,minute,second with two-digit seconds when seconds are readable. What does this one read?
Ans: 12,04,14
